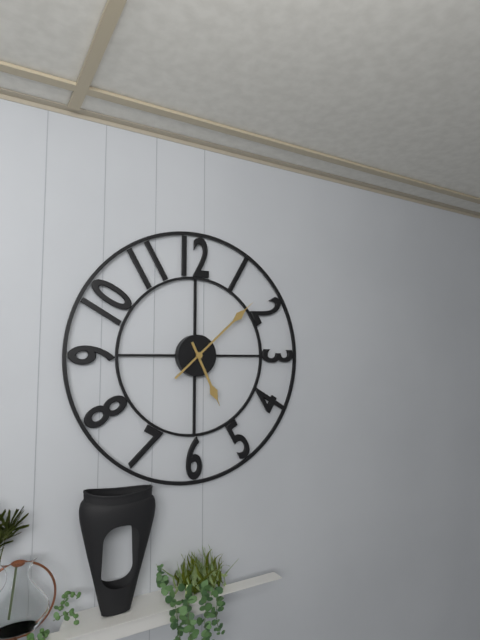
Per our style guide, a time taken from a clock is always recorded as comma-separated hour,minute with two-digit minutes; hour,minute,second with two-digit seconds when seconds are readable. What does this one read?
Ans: 5,08
